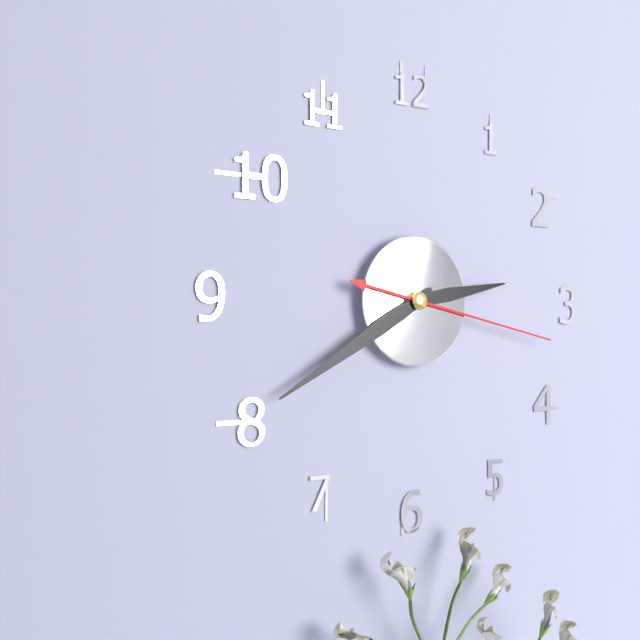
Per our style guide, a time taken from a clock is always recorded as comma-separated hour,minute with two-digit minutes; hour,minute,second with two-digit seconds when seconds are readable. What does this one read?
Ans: 2,40,17
